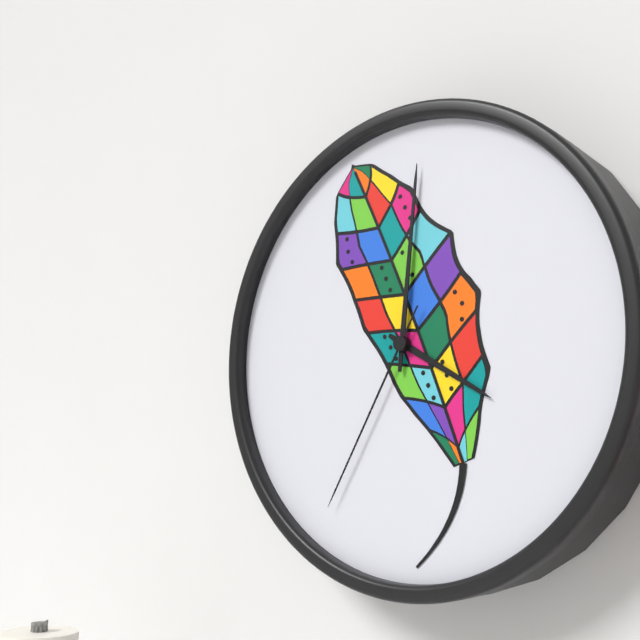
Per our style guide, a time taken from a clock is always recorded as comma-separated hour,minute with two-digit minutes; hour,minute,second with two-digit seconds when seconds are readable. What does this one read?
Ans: 4,01,35
